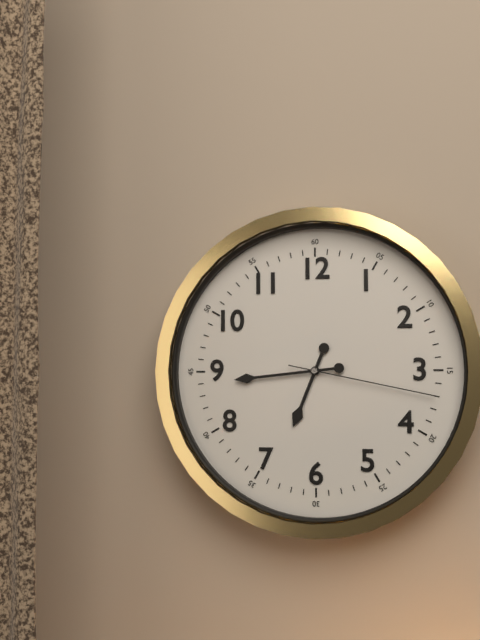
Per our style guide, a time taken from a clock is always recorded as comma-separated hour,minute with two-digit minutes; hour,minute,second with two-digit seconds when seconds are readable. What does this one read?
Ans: 6,44,17
